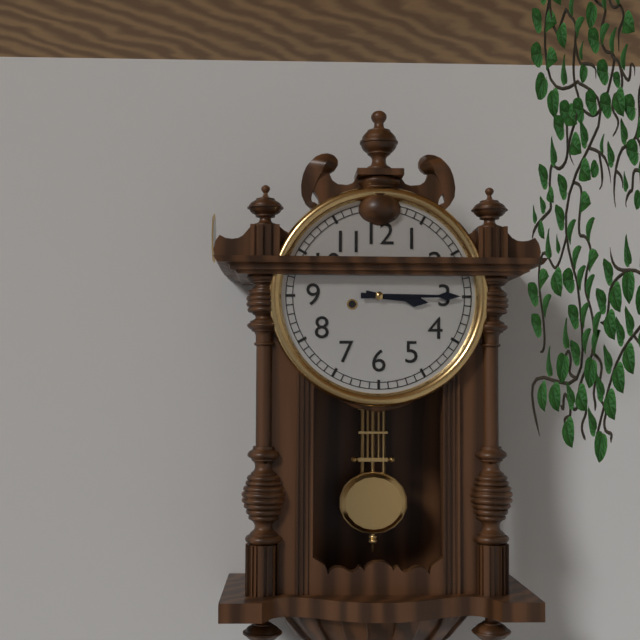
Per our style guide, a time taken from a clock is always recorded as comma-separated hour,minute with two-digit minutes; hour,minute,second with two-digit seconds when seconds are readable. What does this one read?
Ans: 3,15
